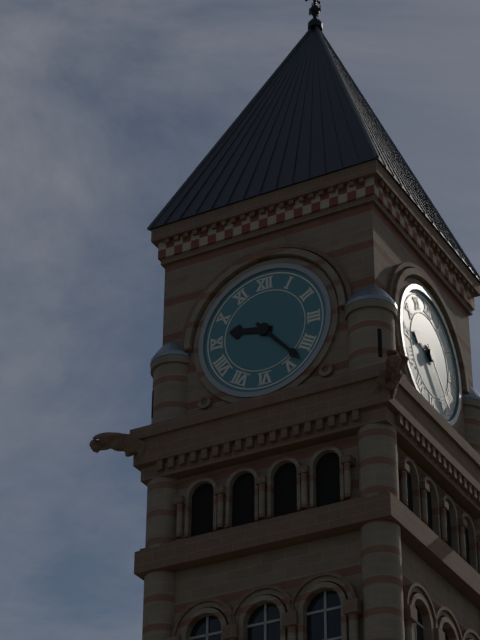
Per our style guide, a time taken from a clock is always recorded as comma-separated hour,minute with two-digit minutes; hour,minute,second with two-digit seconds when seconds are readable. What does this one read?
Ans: 9,23
